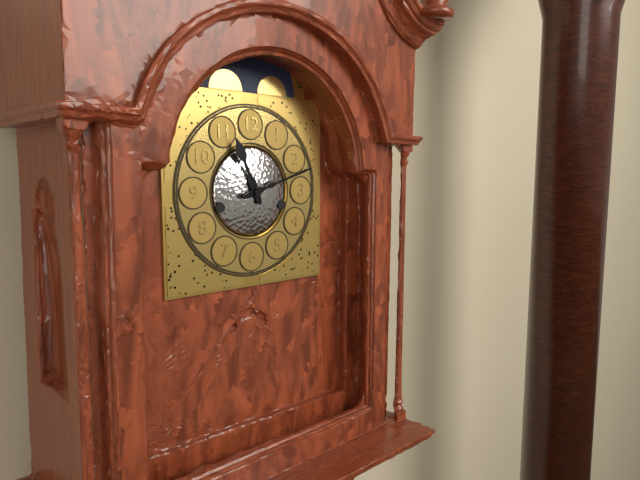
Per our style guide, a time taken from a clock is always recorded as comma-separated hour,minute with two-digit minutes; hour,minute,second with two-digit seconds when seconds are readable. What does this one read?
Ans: 11,12
